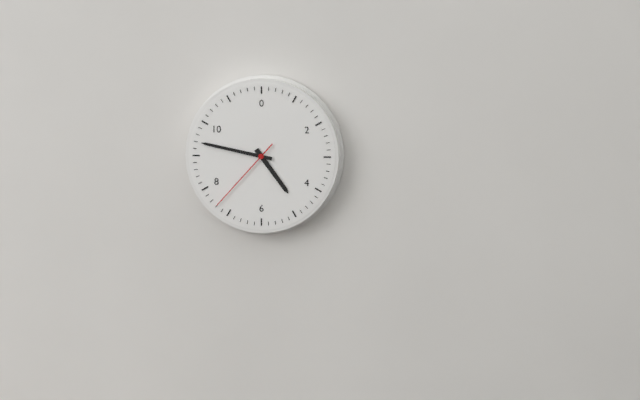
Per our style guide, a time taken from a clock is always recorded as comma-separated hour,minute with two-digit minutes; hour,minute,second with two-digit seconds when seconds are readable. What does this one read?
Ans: 4,47,37
